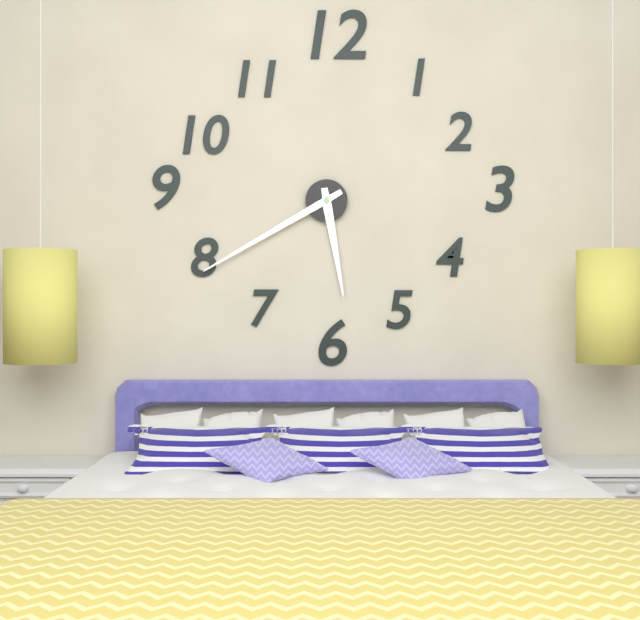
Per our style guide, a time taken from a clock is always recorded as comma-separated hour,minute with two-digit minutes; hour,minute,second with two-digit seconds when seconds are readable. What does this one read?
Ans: 5,40
